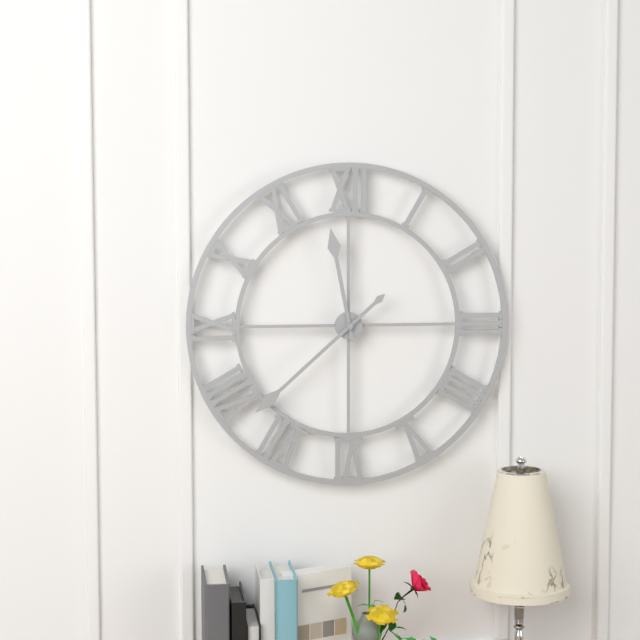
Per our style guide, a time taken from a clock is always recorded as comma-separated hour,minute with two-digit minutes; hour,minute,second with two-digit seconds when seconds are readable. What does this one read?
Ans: 11,38
